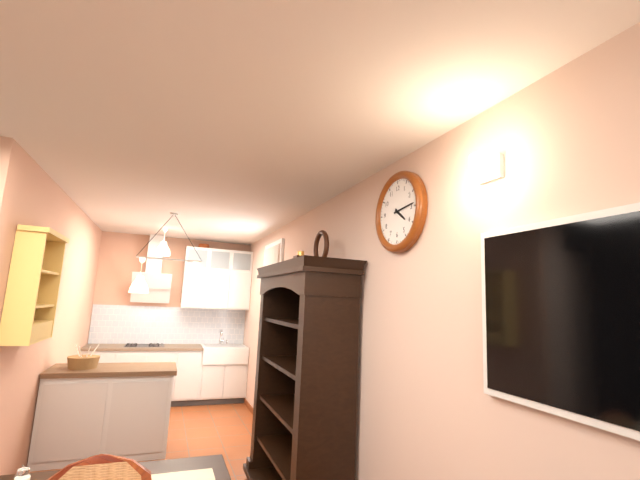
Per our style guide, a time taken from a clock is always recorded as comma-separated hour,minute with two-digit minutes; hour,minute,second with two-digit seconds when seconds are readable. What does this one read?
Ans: 4,14
